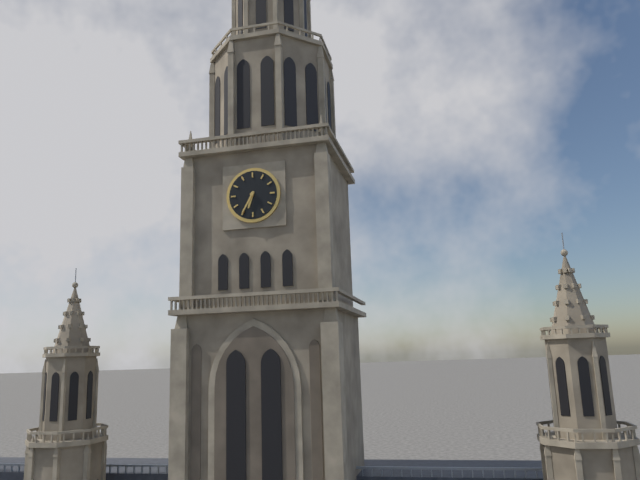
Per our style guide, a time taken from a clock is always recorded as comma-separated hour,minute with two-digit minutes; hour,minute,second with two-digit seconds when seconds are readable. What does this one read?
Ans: 6,35
